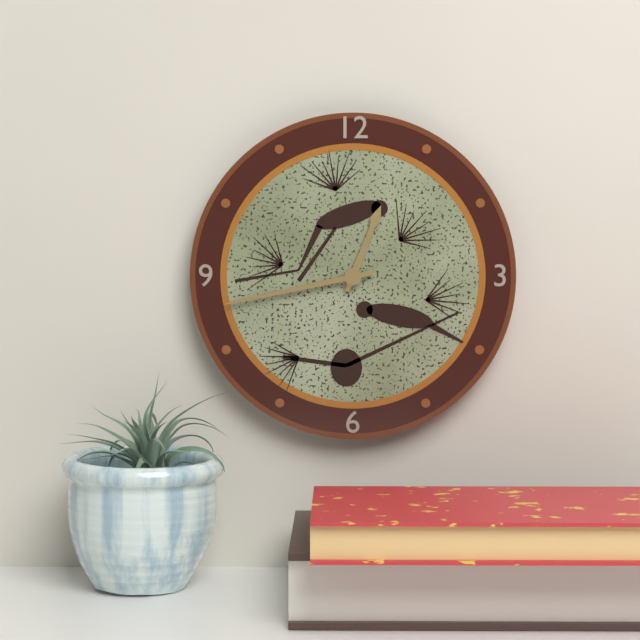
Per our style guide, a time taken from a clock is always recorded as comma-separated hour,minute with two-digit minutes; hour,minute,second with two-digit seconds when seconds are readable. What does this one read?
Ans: 12,43
